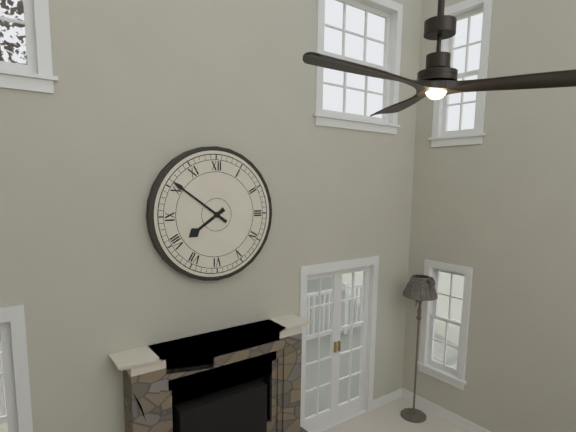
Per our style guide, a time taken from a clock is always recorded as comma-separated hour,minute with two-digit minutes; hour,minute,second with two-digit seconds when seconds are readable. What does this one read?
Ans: 7,51
